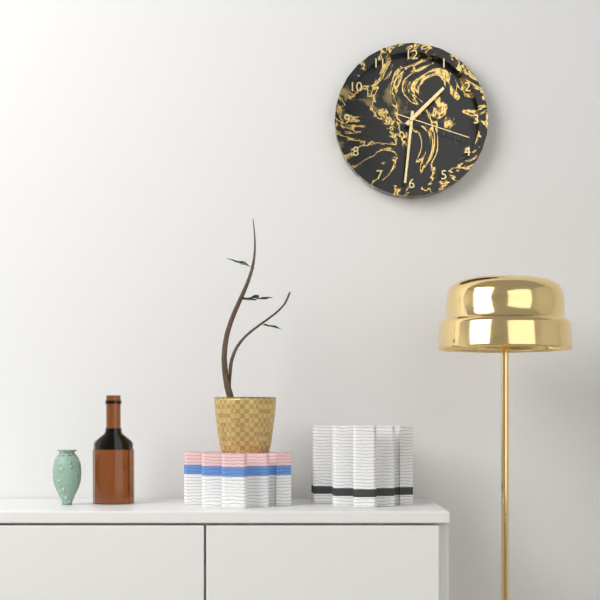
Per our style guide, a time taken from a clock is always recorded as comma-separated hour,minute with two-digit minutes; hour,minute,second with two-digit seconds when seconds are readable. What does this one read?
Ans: 1,31,18
